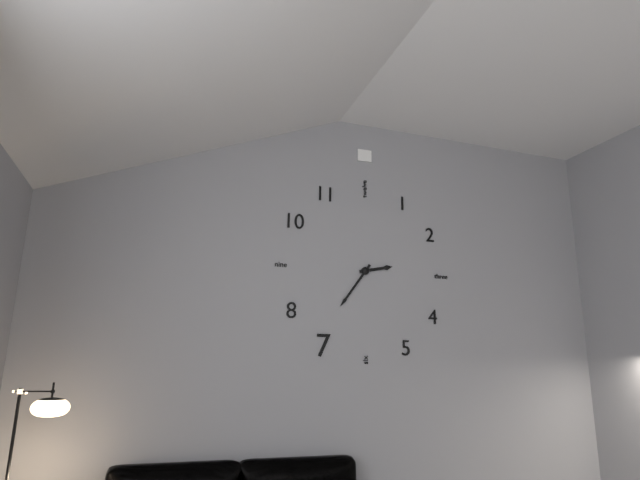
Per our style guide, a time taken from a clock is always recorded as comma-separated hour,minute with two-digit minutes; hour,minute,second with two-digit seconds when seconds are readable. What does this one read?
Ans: 2,36
